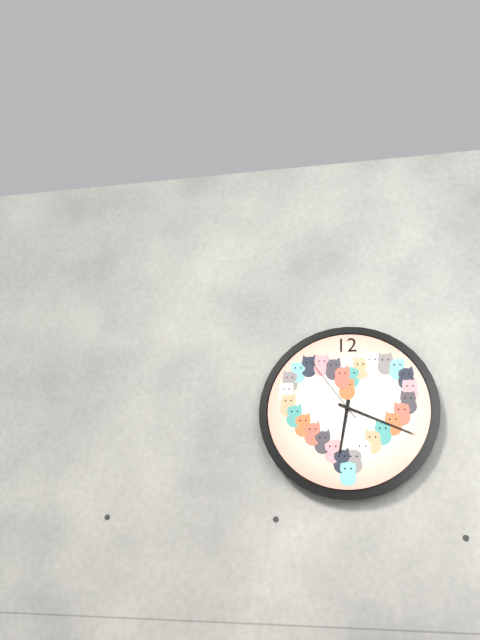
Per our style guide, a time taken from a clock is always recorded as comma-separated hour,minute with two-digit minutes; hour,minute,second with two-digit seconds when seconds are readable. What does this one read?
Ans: 6,19,54
